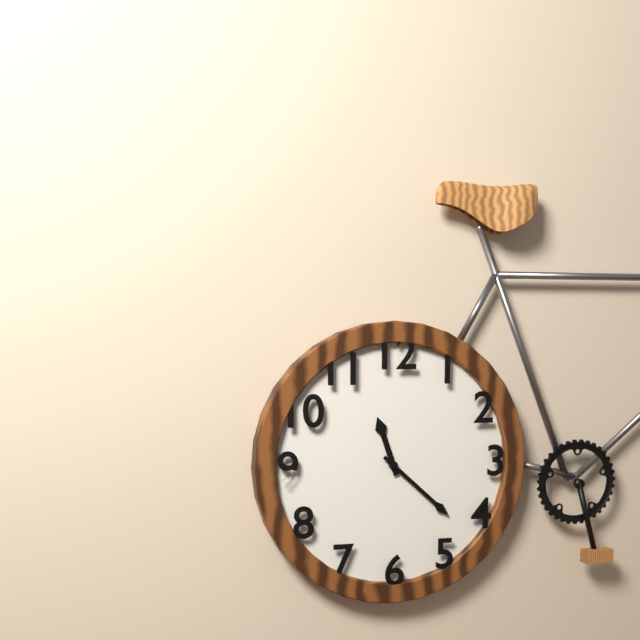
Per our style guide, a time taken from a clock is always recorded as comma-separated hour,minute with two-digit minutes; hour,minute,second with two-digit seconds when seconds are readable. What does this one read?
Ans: 11,22
